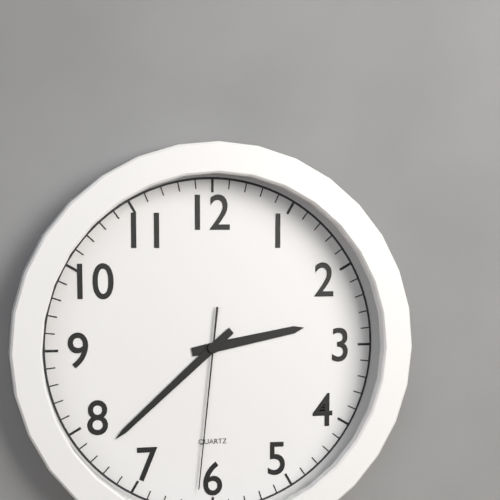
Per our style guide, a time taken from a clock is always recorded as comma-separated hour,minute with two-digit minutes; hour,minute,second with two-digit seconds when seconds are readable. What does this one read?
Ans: 2,38,31
